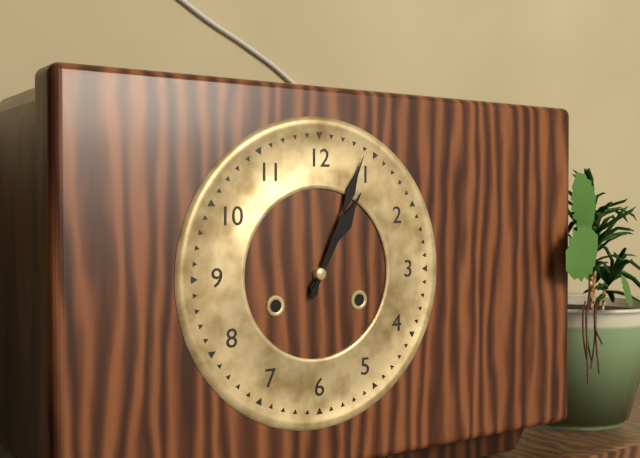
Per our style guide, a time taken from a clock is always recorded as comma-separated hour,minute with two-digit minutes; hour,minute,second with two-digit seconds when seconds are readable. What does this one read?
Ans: 1,04
